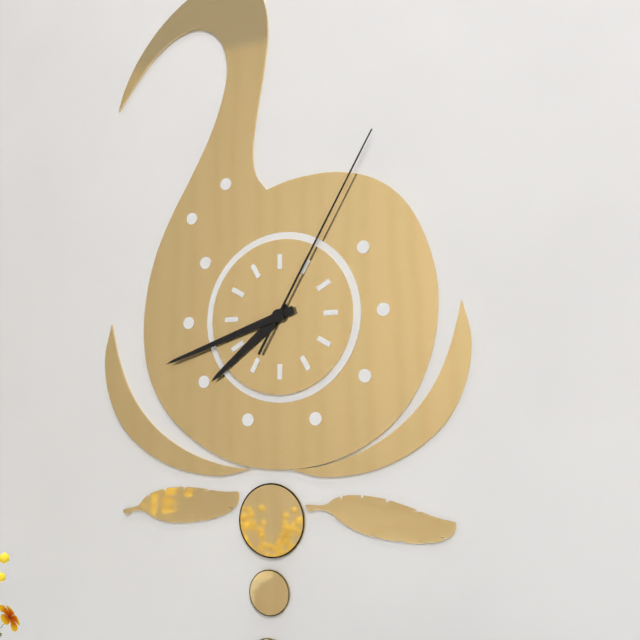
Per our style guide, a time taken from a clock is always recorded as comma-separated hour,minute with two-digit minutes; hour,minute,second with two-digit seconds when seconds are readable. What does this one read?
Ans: 7,42,05
